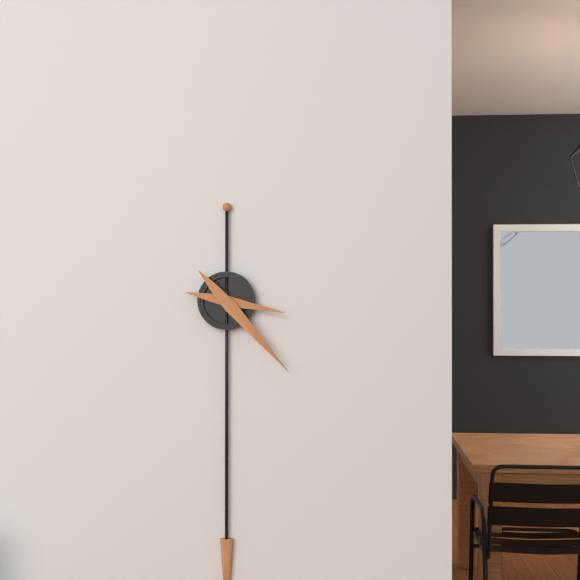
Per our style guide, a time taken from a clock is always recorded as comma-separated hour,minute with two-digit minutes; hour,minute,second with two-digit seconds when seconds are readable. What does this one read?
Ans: 3,23
